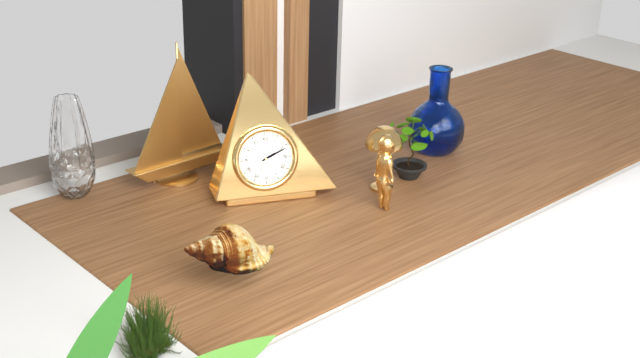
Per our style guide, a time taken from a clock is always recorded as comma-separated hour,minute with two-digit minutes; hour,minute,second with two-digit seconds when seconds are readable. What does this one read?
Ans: 2,11
